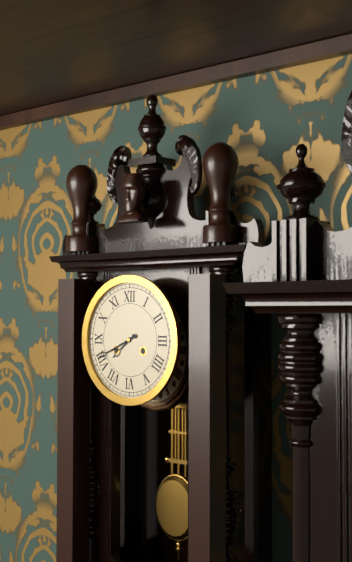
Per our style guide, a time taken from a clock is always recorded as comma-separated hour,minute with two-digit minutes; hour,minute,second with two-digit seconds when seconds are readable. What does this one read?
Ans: 7,41
